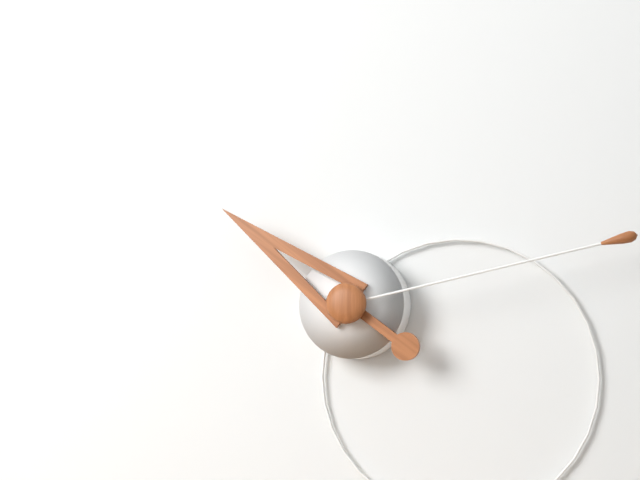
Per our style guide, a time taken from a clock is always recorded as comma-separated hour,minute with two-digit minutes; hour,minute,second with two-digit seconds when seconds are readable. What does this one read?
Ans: 10,13
